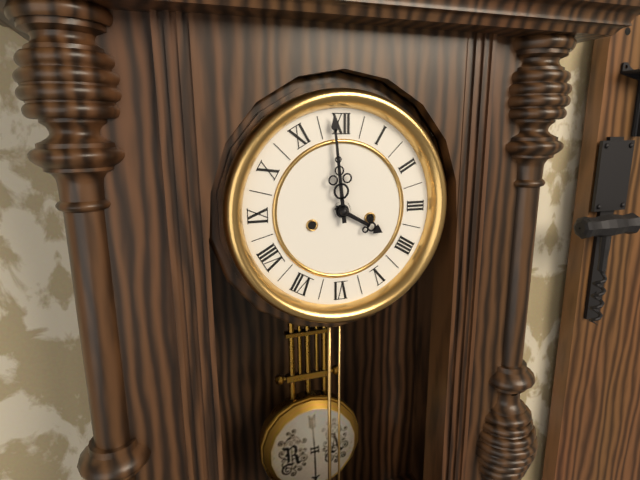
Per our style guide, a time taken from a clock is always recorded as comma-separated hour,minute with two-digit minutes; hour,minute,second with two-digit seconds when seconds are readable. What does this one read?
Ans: 3,59
